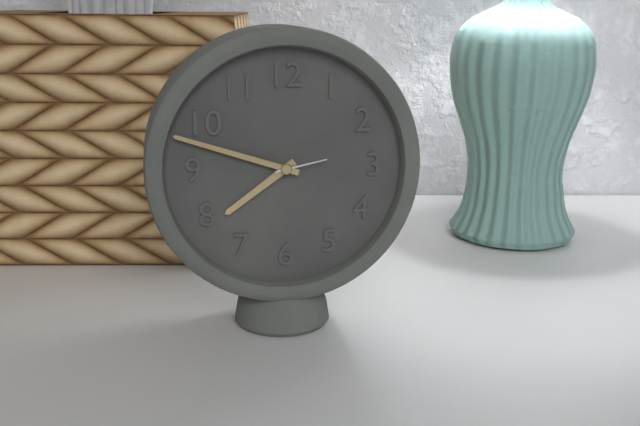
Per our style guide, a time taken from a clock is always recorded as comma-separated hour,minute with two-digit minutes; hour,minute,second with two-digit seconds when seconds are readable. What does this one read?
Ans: 7,48,13
